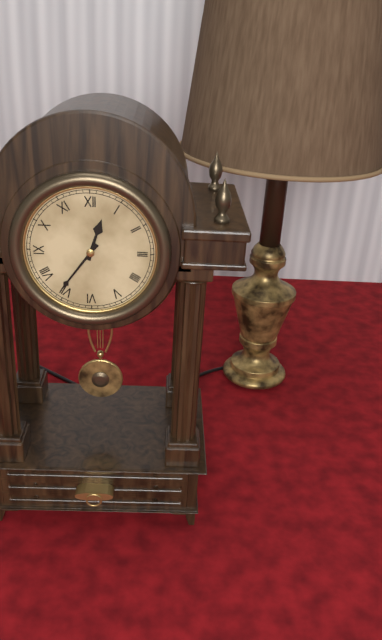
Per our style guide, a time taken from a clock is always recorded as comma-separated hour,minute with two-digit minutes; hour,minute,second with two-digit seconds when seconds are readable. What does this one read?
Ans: 12,36
